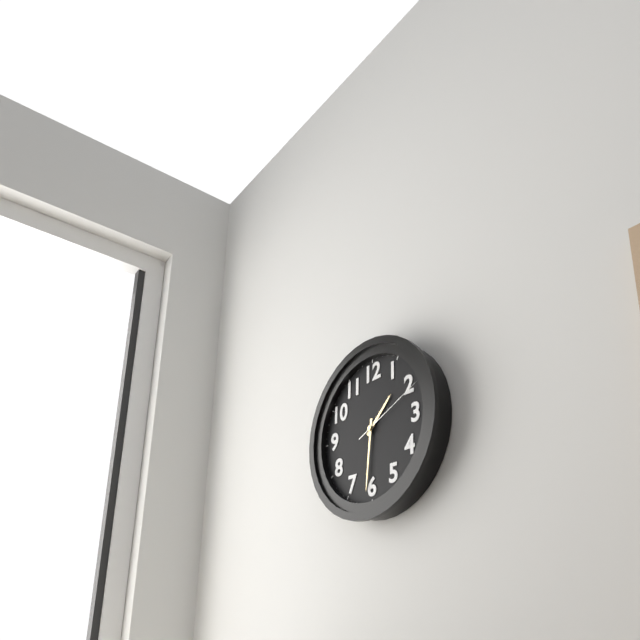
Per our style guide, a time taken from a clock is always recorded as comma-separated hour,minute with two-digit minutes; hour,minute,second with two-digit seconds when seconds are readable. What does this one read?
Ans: 1,31,11
